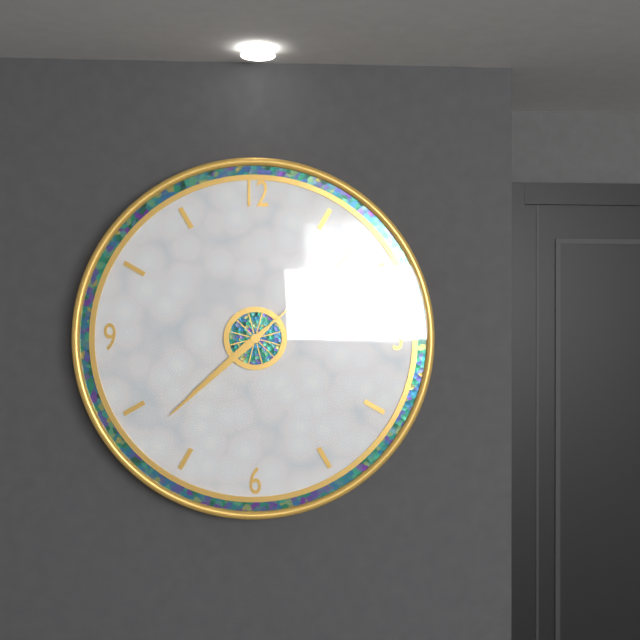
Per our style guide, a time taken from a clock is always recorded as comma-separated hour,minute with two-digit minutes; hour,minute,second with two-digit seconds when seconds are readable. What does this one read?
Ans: 7,38,08
